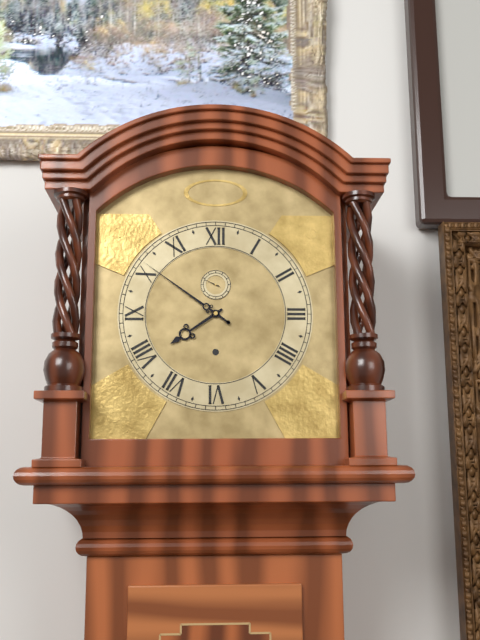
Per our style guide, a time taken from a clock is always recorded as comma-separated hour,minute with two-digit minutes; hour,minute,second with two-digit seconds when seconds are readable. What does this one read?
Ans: 7,51
